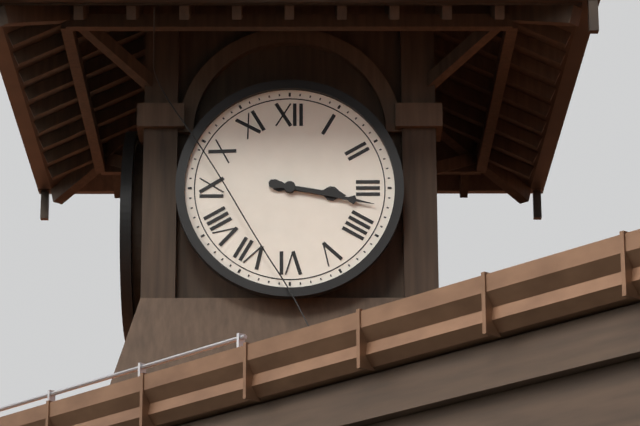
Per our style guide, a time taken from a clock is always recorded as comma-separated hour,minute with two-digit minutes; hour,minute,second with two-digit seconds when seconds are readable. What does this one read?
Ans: 3,17
